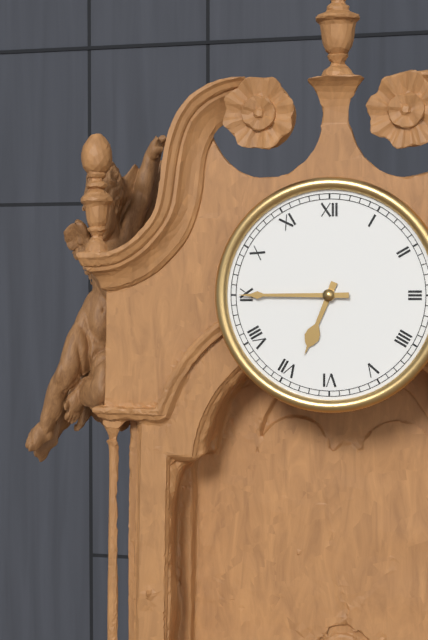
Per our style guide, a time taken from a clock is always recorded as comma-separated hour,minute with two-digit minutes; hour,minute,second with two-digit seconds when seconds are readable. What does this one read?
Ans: 6,45
